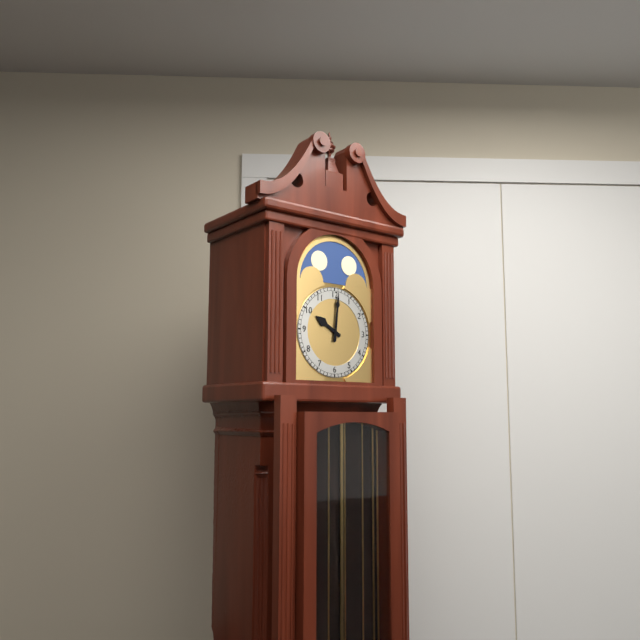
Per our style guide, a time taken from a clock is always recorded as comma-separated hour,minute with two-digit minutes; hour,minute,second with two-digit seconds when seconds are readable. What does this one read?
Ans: 10,01
